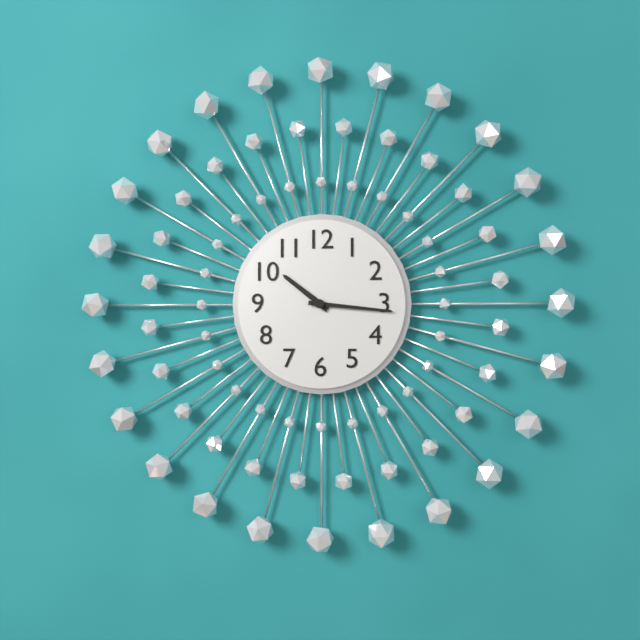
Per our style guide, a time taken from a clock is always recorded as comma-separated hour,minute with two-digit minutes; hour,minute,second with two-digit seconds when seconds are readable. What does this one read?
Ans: 10,16
